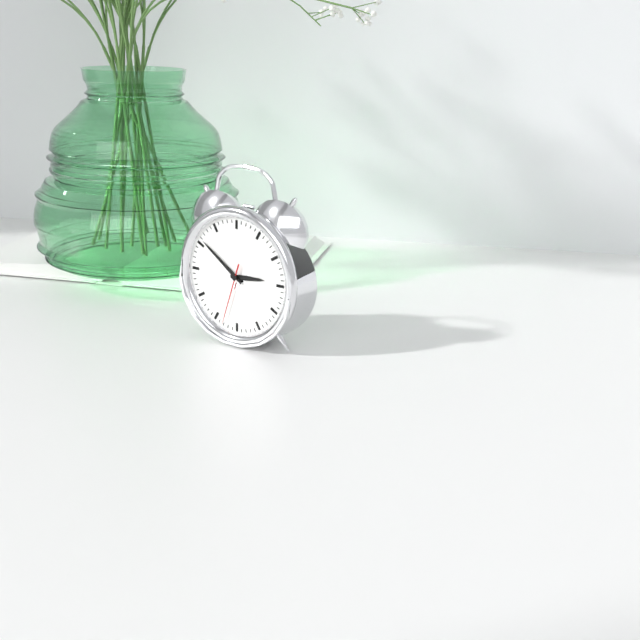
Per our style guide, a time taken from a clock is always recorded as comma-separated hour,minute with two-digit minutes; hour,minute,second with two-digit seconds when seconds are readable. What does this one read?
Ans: 2,51,33
